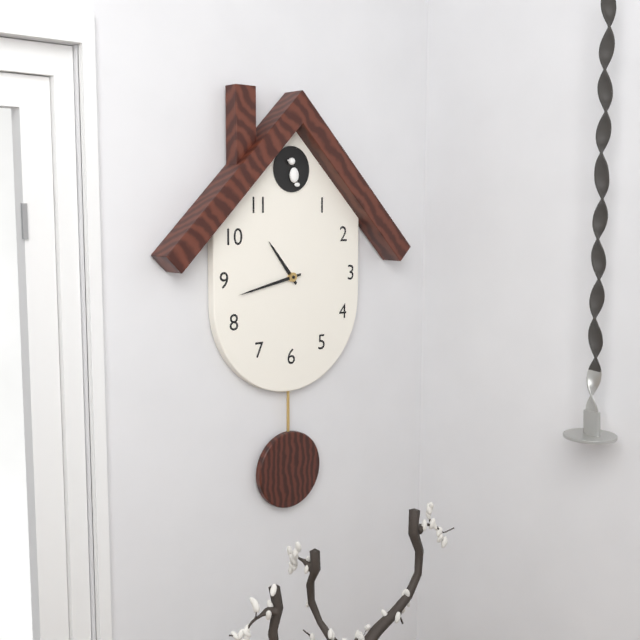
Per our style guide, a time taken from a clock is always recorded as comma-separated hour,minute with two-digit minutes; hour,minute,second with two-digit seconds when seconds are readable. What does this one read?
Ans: 10,43
